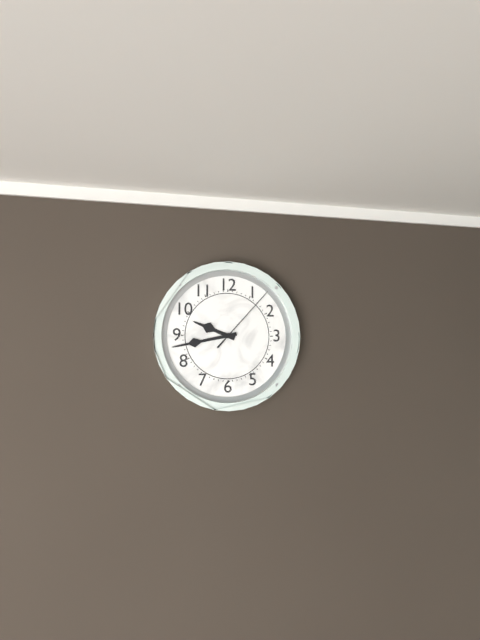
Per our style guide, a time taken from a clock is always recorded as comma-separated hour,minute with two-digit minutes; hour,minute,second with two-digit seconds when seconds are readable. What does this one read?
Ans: 9,43,07
